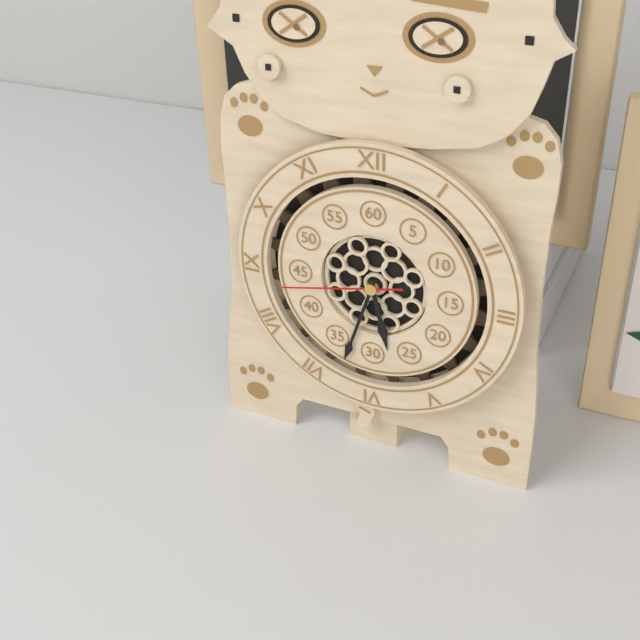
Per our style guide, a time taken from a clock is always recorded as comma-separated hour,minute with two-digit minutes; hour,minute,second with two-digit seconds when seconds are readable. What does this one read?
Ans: 5,33,43
